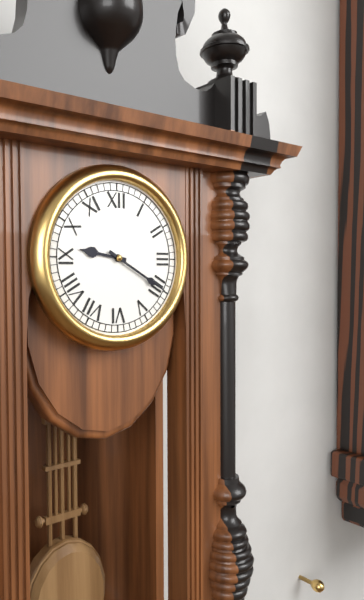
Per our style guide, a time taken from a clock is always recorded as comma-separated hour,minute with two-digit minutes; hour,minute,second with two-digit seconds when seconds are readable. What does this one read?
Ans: 9,20
